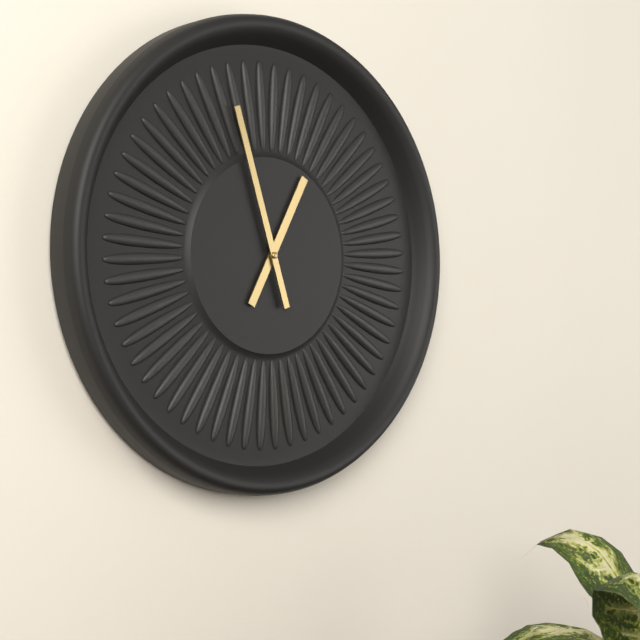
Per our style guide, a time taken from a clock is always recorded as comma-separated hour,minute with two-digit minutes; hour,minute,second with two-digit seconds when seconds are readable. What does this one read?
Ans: 12,57
